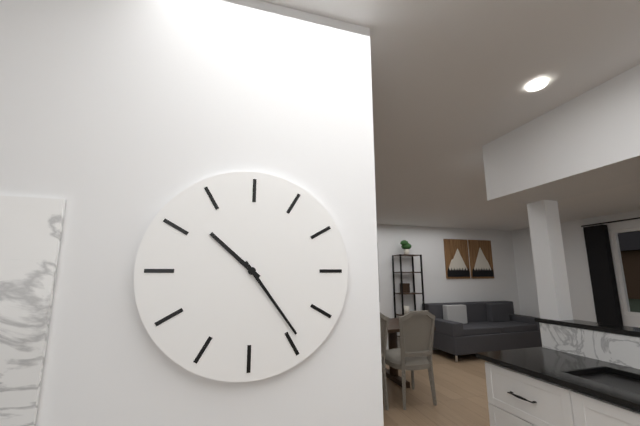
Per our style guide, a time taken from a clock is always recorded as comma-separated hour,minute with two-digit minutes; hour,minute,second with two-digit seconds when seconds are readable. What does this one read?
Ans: 10,24
